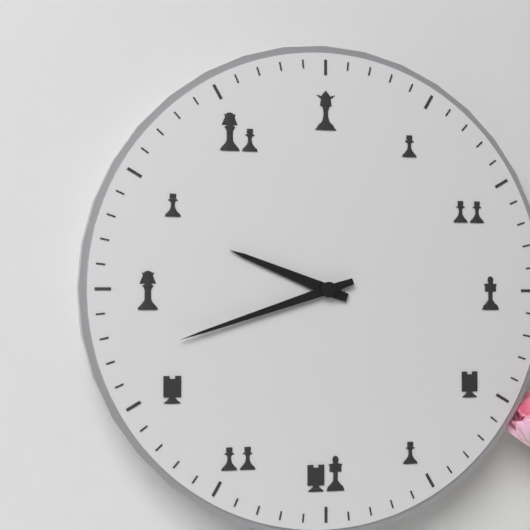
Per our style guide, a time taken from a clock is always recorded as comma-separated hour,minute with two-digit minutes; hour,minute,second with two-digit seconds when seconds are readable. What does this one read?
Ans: 9,42
